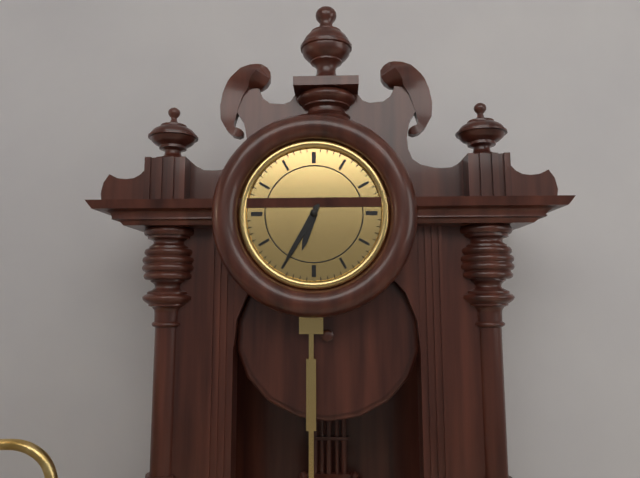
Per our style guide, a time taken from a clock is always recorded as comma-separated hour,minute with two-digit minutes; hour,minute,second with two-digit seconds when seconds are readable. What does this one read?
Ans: 6,35
